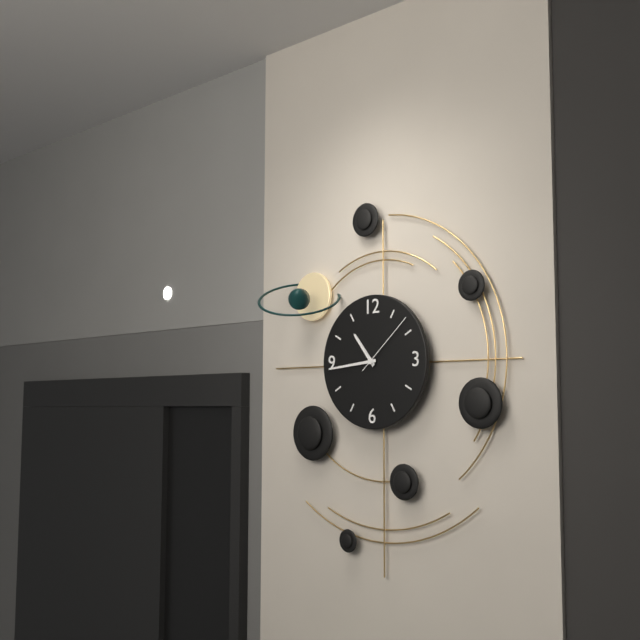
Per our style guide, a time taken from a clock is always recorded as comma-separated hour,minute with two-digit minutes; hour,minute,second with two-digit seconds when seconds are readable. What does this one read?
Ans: 10,44,08
